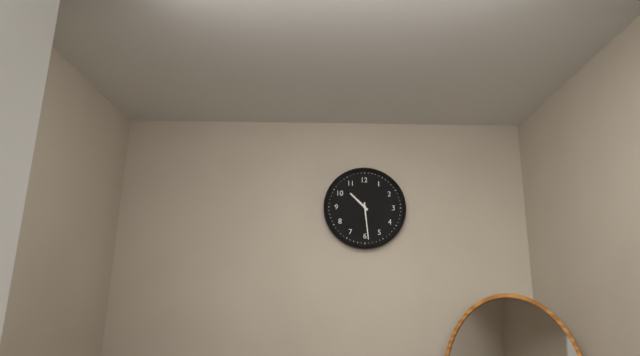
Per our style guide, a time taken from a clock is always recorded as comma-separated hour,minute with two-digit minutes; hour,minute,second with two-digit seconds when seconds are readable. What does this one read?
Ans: 10,29
